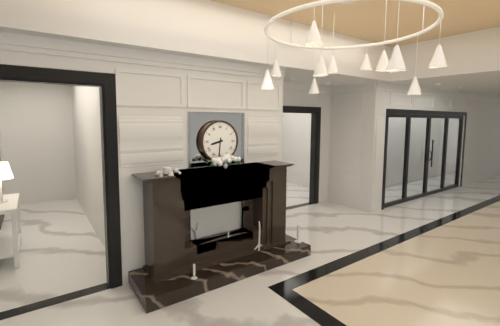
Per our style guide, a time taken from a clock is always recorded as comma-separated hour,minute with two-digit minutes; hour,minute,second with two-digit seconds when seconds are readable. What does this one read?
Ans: 8,31
